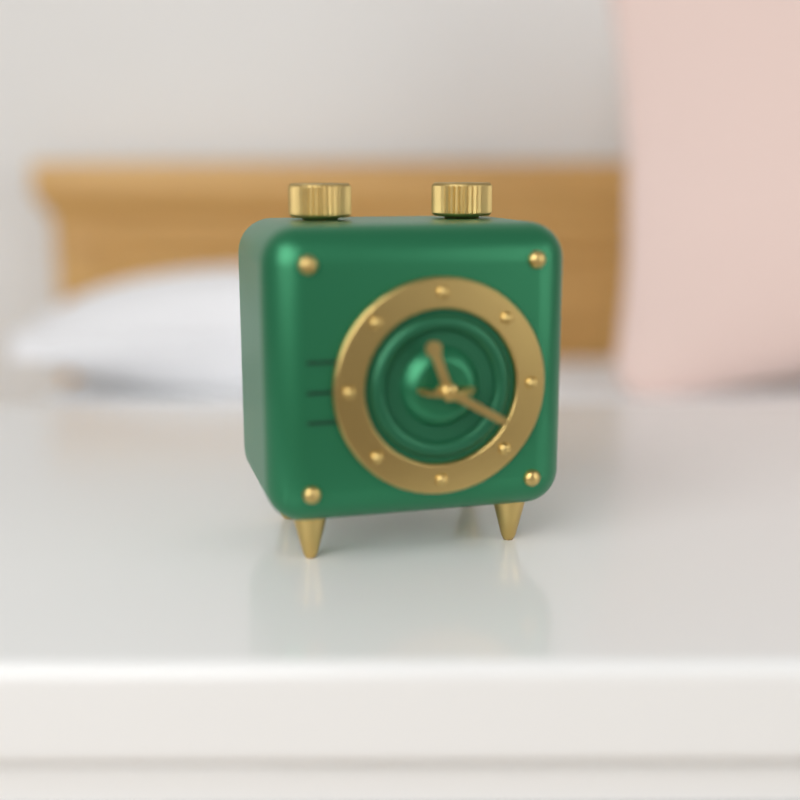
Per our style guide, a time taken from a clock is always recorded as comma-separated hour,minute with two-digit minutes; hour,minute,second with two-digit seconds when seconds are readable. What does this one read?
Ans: 11,20
